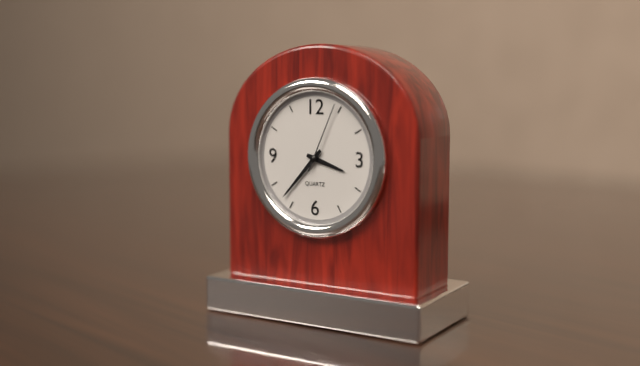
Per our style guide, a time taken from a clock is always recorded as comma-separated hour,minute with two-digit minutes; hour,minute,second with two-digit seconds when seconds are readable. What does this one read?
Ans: 3,37,04
